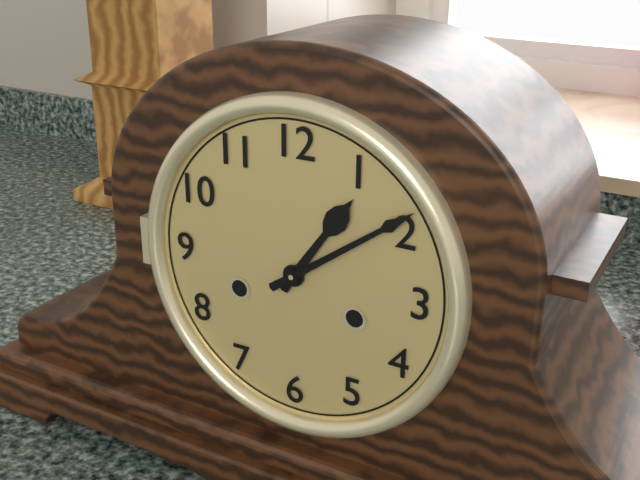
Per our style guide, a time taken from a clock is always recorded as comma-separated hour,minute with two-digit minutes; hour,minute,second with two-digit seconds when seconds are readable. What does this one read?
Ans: 1,09
